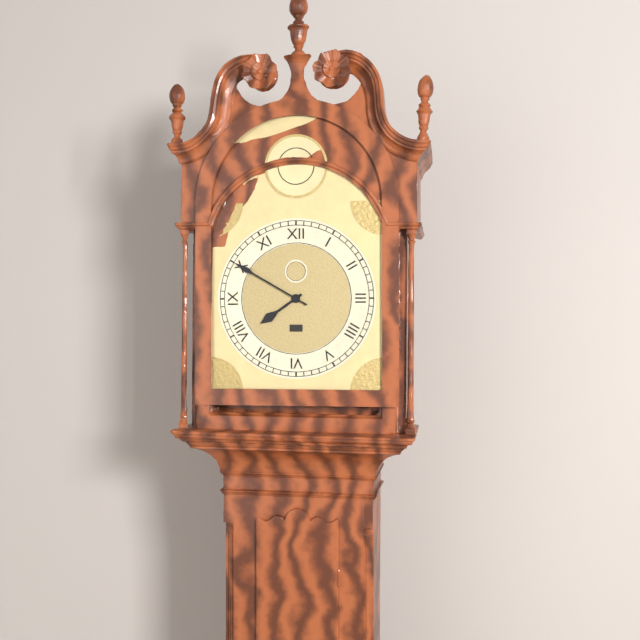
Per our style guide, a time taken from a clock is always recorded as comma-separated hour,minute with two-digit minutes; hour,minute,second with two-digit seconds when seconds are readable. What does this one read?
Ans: 7,50
